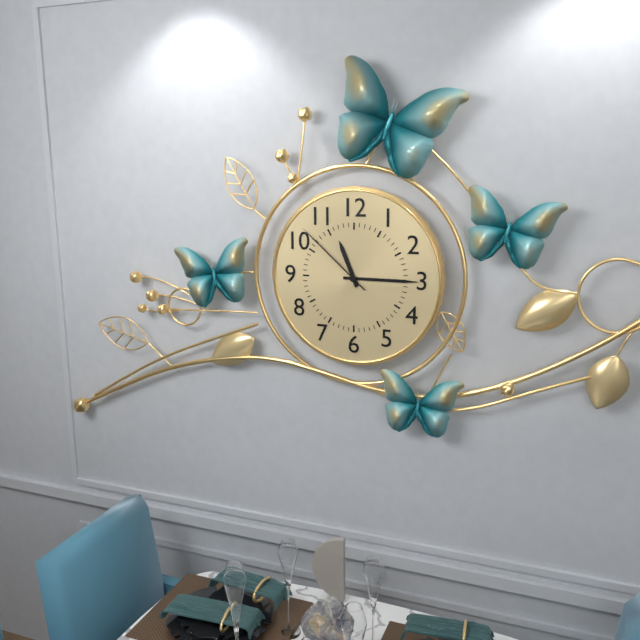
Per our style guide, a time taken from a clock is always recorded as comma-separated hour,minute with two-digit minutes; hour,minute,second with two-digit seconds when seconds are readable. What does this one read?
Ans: 11,15,52
